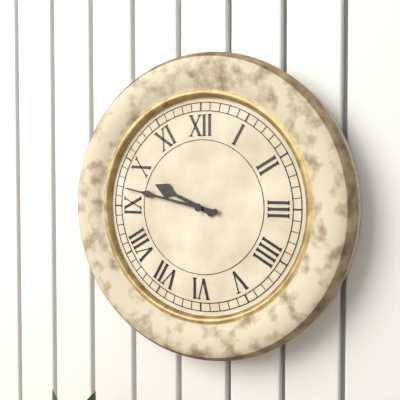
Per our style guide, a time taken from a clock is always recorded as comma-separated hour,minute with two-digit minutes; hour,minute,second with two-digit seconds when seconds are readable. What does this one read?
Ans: 9,47
